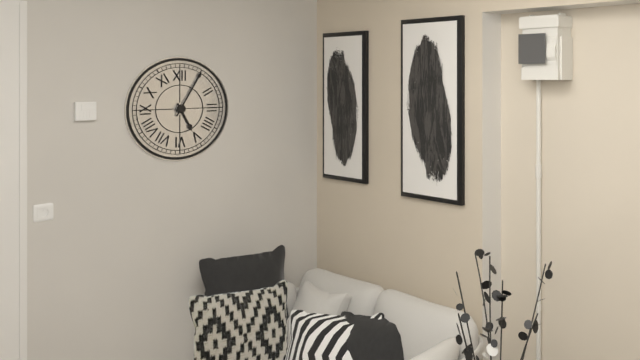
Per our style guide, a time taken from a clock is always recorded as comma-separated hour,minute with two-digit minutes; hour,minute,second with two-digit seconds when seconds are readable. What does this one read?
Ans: 5,05
